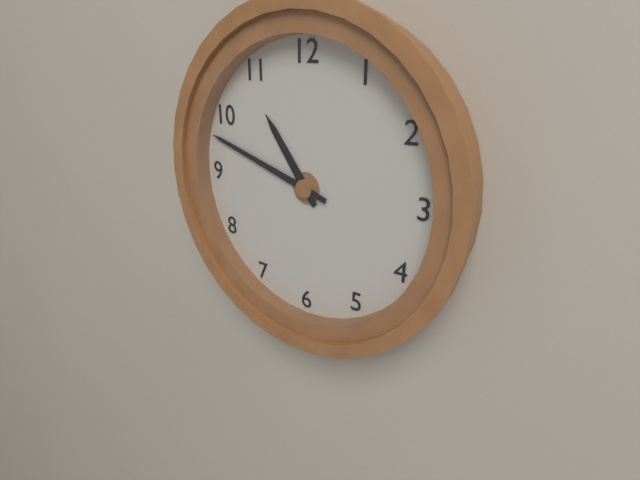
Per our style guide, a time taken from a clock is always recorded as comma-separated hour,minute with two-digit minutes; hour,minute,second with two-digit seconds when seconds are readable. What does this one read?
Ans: 10,48
